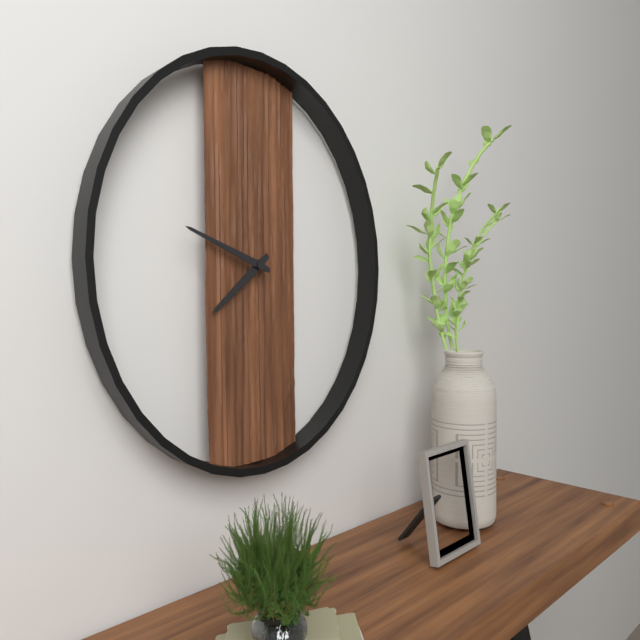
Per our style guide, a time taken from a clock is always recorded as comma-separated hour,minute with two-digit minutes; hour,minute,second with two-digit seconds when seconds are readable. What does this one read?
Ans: 7,48
